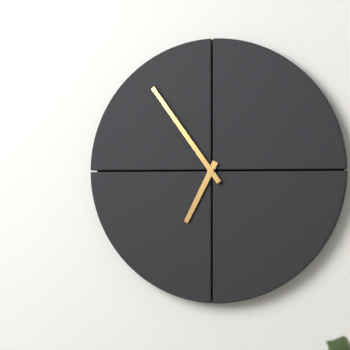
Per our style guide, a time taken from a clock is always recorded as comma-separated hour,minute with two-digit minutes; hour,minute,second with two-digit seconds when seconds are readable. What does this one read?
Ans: 6,54
